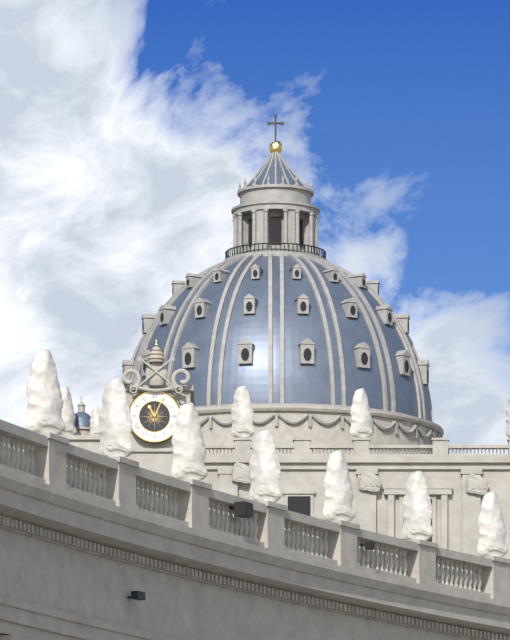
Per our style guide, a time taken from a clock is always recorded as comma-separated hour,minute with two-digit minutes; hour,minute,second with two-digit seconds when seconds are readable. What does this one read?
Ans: 11,04
